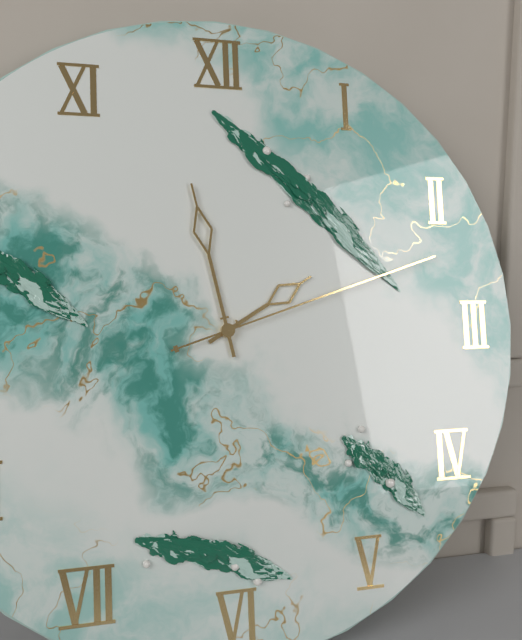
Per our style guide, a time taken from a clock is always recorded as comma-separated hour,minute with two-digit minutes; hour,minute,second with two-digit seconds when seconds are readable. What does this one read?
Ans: 1,58,12
